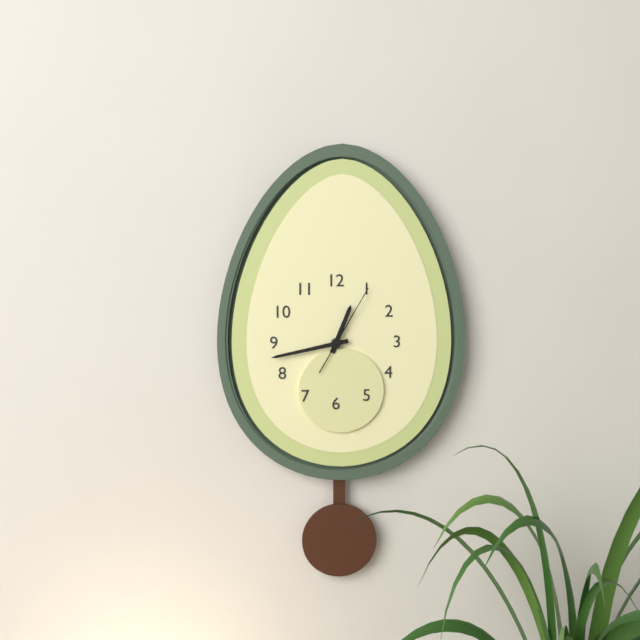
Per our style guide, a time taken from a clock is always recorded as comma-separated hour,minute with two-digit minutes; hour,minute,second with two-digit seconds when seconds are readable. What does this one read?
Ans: 12,43,05
